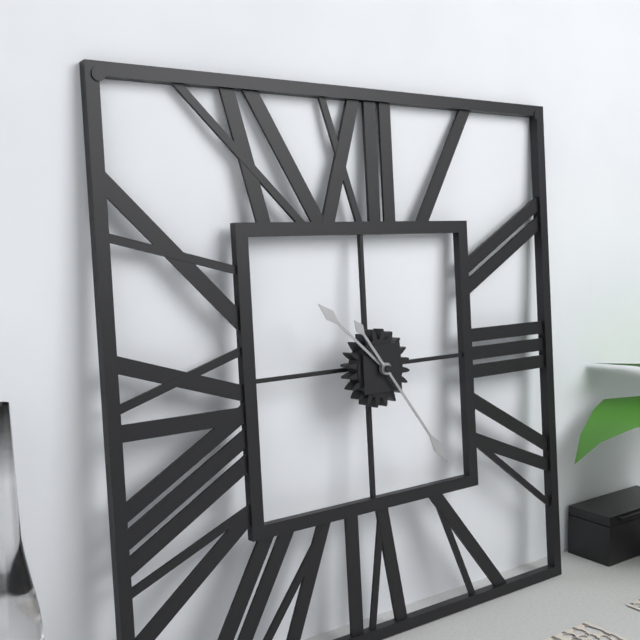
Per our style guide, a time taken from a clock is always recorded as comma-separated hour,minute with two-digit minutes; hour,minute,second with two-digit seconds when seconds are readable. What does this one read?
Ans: 10,24
